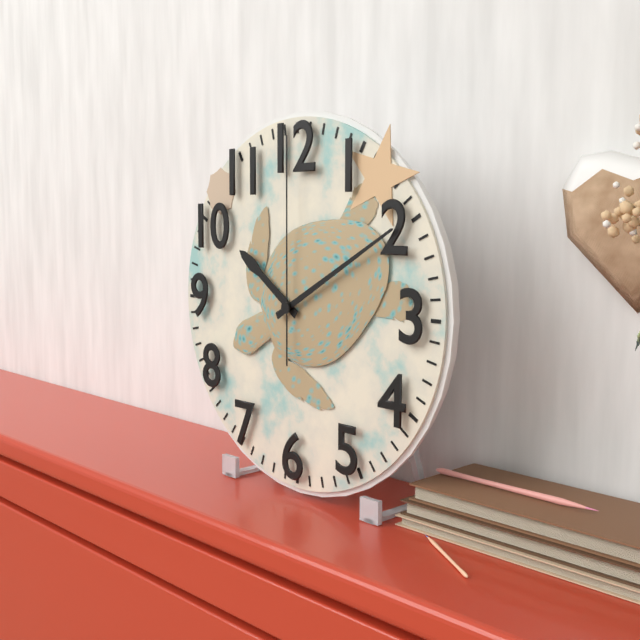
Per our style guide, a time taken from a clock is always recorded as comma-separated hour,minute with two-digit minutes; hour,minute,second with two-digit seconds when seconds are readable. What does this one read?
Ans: 10,10,00
